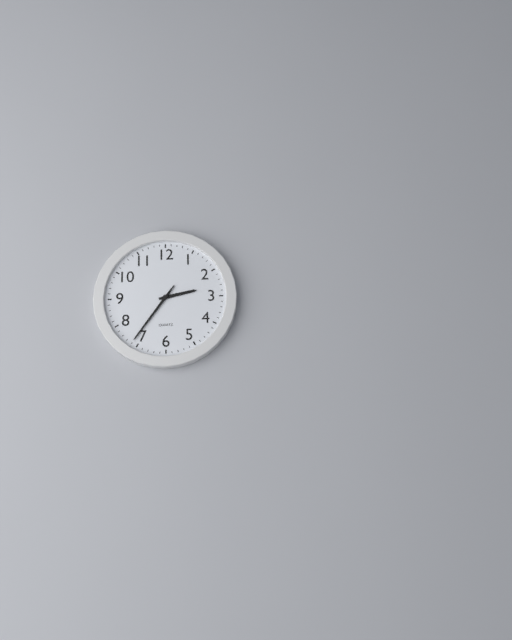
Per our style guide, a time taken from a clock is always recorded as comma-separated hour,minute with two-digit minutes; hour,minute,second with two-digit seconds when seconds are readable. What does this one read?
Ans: 2,36
